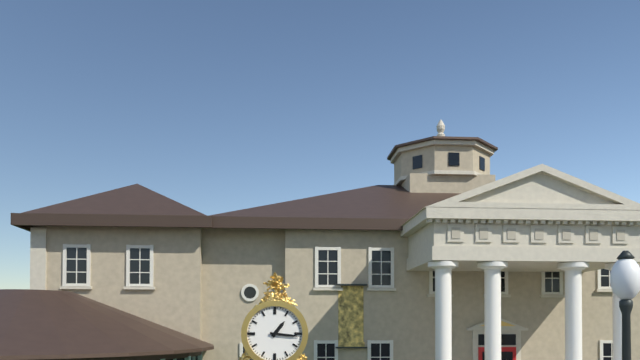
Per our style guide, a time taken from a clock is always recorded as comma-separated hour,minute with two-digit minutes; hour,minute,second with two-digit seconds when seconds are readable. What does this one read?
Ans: 1,16
